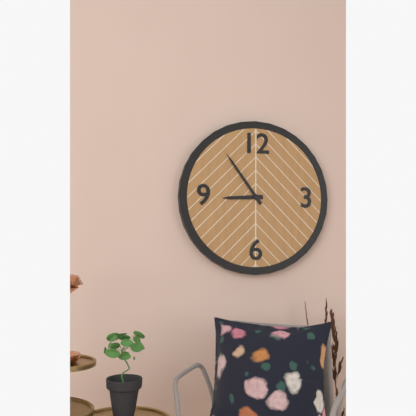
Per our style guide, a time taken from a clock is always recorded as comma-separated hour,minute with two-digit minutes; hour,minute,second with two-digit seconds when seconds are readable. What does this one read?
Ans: 8,54
